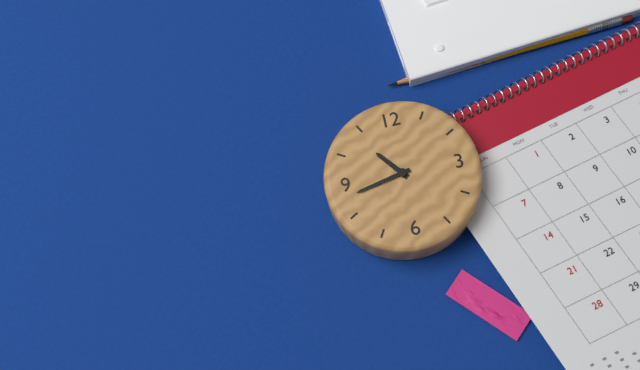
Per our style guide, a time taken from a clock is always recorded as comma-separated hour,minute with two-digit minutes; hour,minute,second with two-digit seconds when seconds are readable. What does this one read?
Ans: 10,43
